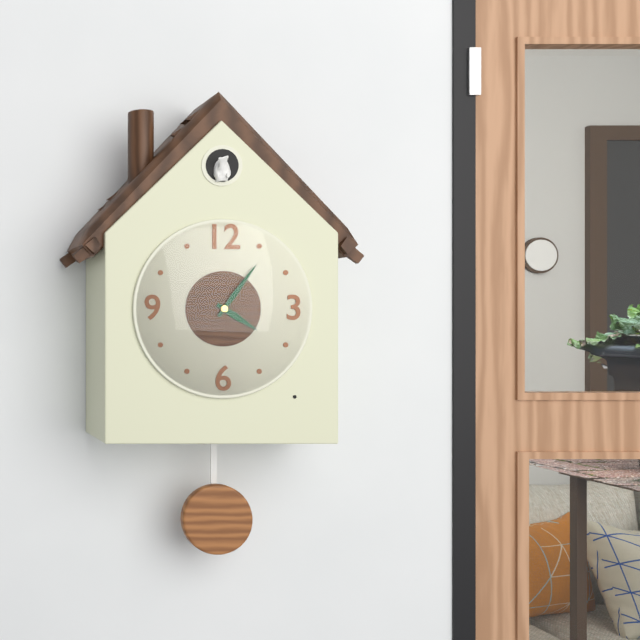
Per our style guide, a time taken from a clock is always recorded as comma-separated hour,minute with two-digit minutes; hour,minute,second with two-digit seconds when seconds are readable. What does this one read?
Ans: 4,06
